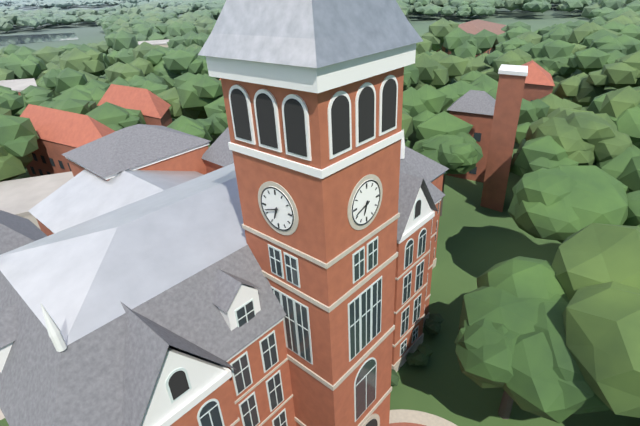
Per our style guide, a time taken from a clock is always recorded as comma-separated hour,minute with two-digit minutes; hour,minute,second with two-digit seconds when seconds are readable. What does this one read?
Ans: 6,42
